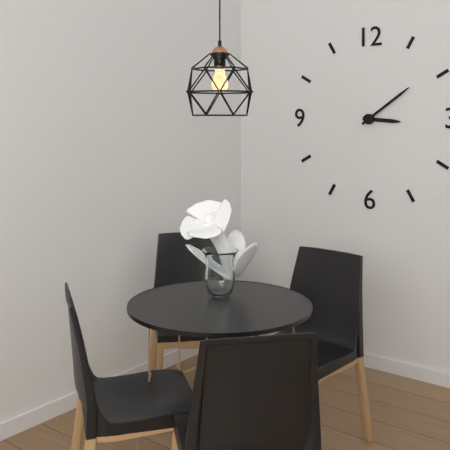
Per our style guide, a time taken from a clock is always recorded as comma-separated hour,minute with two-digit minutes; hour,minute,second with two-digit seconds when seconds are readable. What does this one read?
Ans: 3,09
